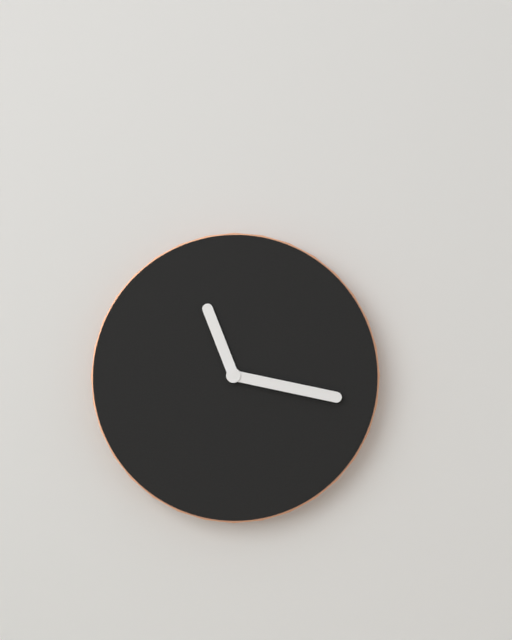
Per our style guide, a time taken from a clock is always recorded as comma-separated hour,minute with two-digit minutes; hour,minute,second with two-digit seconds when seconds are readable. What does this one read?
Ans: 11,17
